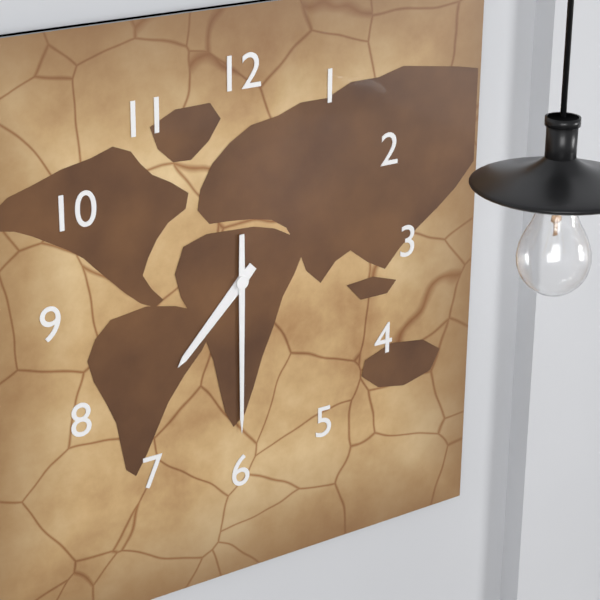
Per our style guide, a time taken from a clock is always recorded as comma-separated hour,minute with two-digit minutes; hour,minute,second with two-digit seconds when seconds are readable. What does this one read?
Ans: 7,30
